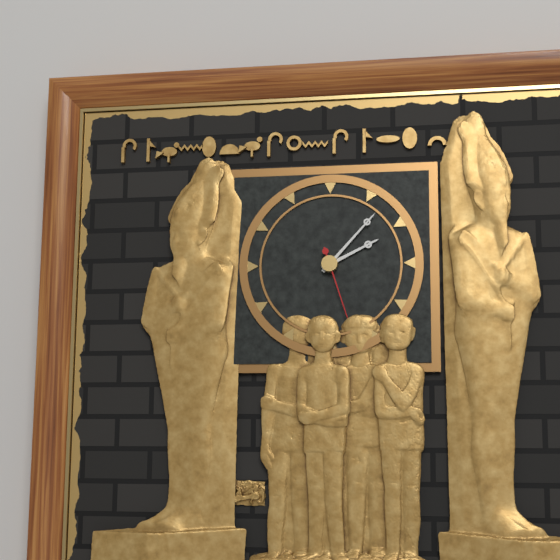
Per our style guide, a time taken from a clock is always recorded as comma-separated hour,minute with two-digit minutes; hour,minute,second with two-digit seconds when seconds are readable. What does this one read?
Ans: 2,07,27
